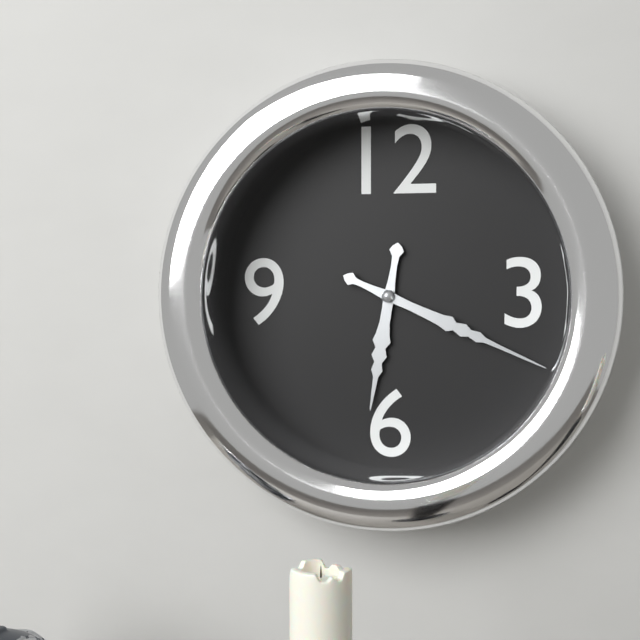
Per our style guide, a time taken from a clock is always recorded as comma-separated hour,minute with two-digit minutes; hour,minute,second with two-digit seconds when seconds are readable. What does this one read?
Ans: 6,19
